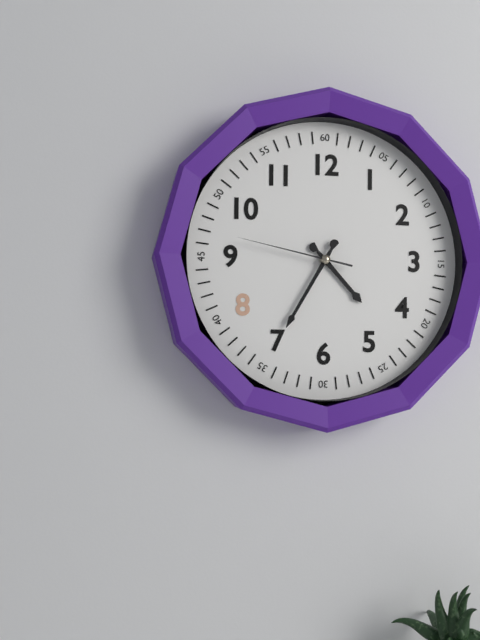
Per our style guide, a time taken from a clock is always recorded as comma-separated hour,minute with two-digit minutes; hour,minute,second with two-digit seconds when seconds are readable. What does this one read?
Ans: 4,35,47
